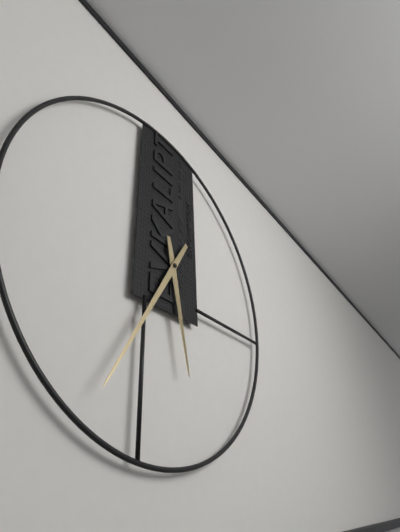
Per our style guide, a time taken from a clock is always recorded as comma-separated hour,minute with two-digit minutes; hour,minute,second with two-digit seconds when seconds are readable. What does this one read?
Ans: 5,35
